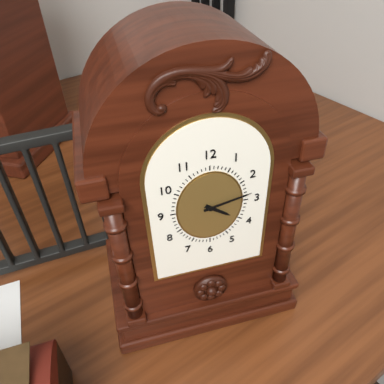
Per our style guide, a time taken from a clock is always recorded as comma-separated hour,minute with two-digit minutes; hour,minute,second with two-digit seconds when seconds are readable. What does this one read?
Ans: 4,13
